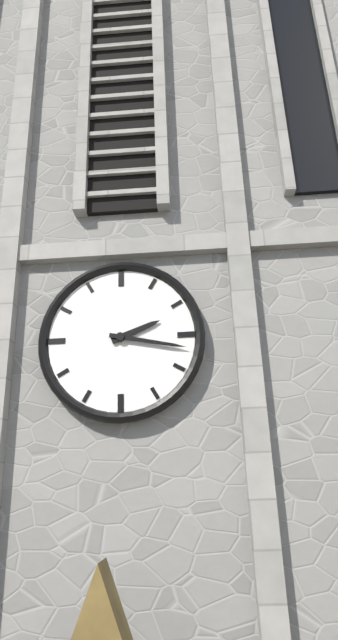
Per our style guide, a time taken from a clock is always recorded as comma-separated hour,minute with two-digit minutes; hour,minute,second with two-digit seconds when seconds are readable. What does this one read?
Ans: 2,17
